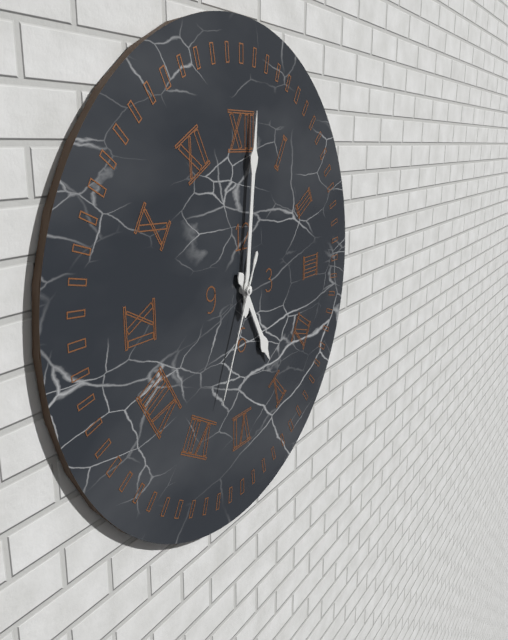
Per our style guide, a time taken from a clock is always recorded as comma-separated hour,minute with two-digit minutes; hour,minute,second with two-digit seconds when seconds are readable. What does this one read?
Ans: 5,01,34
